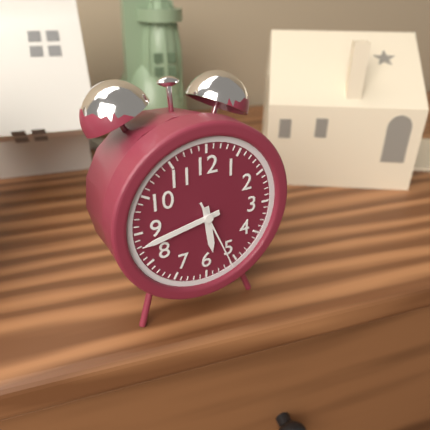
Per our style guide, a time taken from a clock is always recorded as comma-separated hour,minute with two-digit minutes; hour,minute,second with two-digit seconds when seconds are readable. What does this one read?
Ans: 5,43,26
